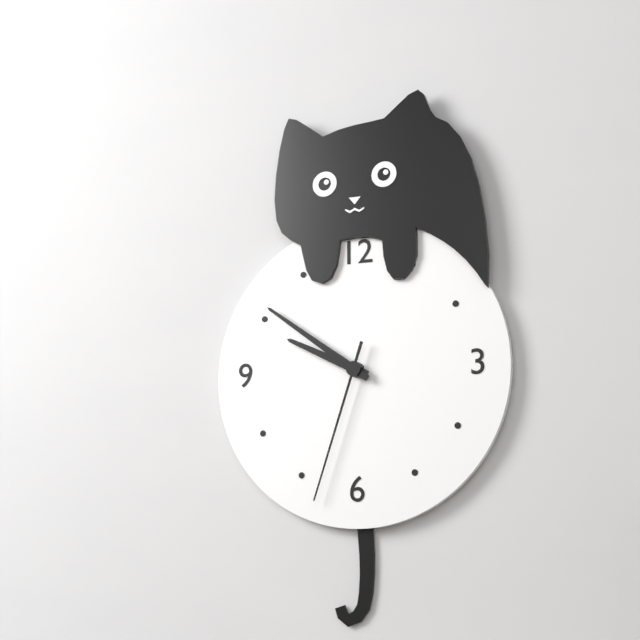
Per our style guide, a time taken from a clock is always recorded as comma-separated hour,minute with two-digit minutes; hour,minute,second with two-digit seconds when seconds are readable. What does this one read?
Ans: 9,51,33
